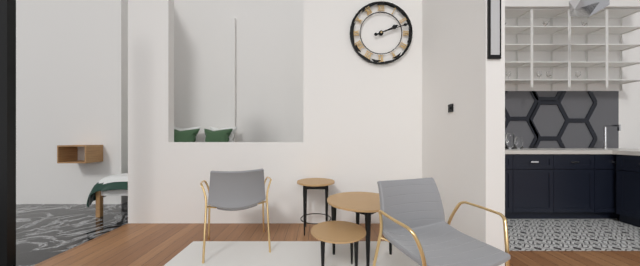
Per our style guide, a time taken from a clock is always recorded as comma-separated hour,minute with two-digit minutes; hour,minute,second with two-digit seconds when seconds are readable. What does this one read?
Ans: 2,12
